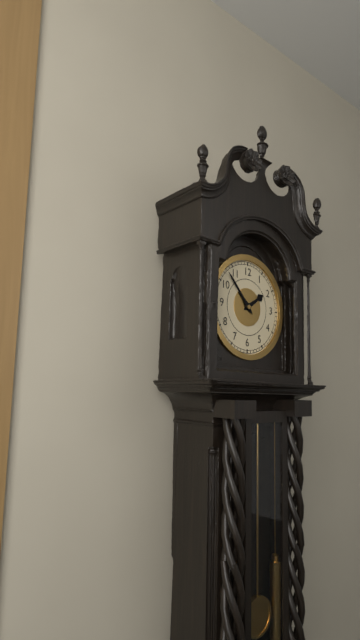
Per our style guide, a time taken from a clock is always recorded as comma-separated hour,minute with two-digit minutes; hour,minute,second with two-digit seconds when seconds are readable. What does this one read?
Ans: 1,53
